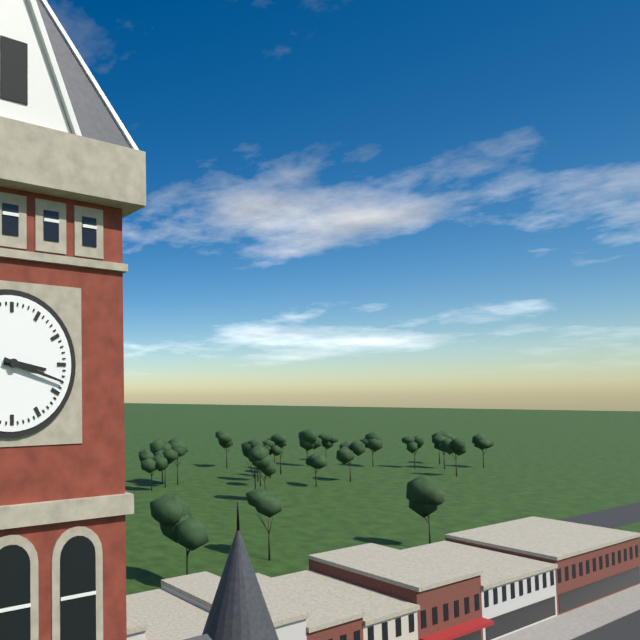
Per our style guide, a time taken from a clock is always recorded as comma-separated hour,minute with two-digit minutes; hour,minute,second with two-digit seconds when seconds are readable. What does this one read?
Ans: 3,18
